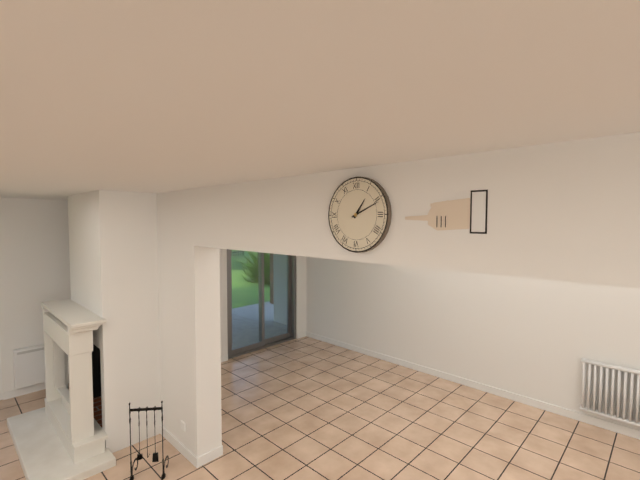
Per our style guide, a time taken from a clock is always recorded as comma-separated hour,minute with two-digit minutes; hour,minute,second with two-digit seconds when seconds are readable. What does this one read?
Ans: 1,11
